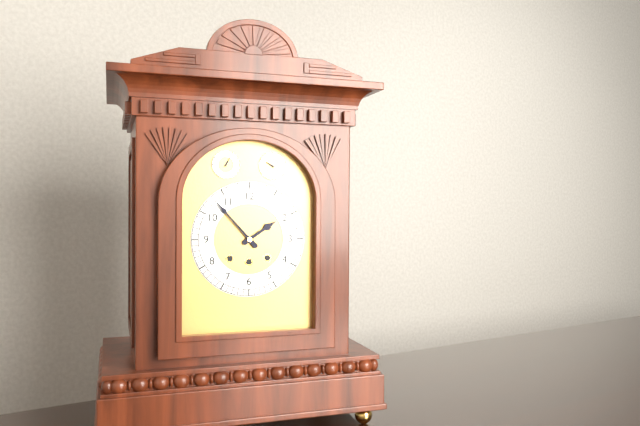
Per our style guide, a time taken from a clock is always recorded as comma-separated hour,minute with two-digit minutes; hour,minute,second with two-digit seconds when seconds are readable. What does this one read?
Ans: 1,53
